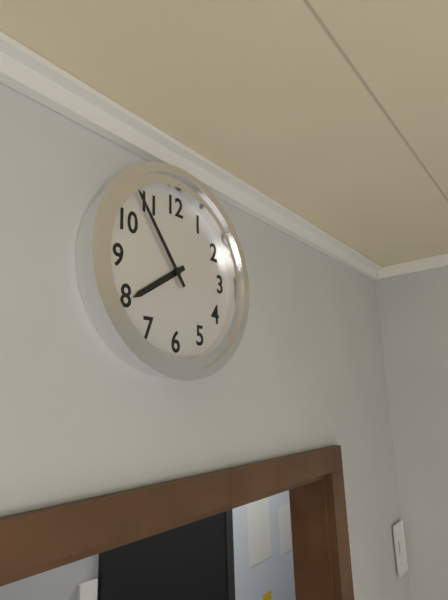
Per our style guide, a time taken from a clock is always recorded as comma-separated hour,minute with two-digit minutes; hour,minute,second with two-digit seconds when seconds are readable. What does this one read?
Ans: 7,54
